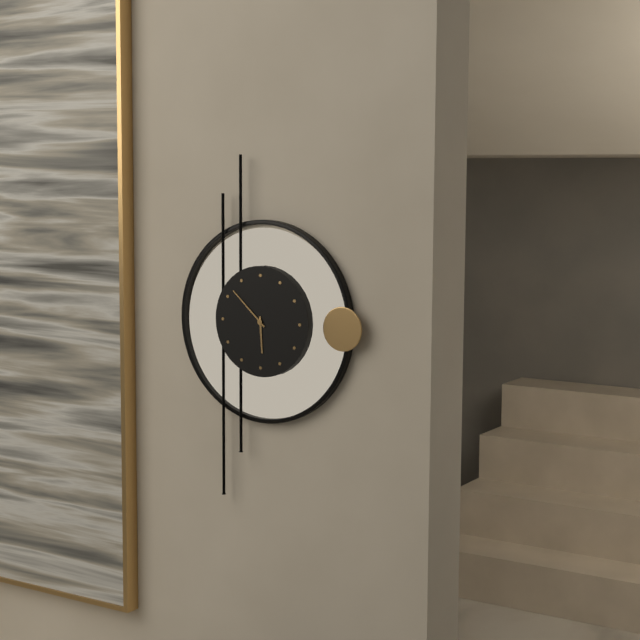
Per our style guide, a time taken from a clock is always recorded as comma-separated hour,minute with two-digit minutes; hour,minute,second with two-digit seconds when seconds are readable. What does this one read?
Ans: 5,52
